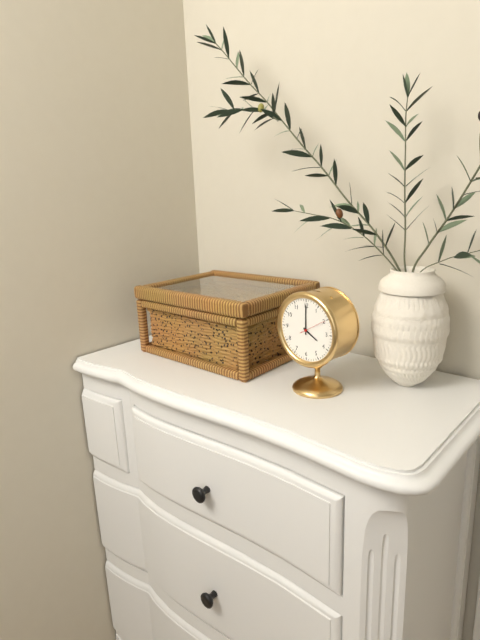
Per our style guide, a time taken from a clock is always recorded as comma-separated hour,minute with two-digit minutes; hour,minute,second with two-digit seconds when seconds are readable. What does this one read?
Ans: 4,00
